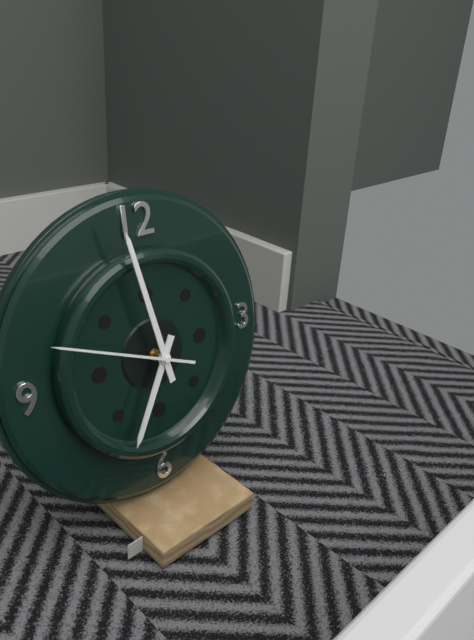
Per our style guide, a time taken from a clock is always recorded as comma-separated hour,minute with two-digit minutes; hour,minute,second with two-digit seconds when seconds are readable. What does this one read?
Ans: 6,58,49
